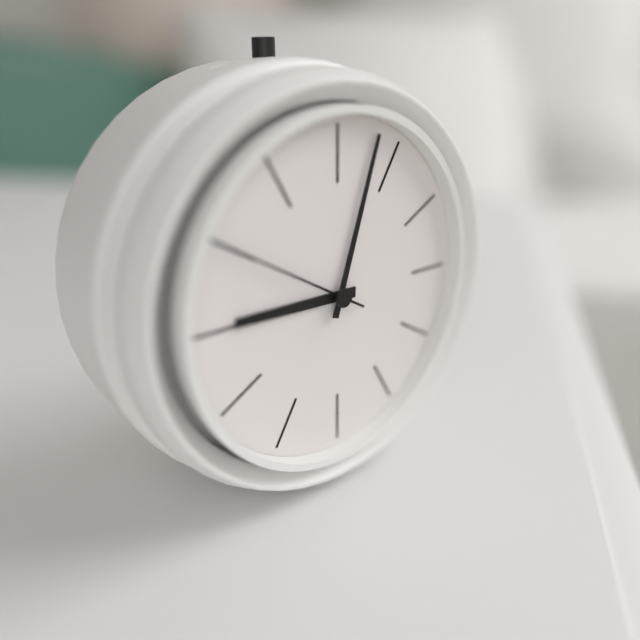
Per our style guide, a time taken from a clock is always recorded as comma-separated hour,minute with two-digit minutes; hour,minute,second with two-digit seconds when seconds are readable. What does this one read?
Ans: 9,03,50
